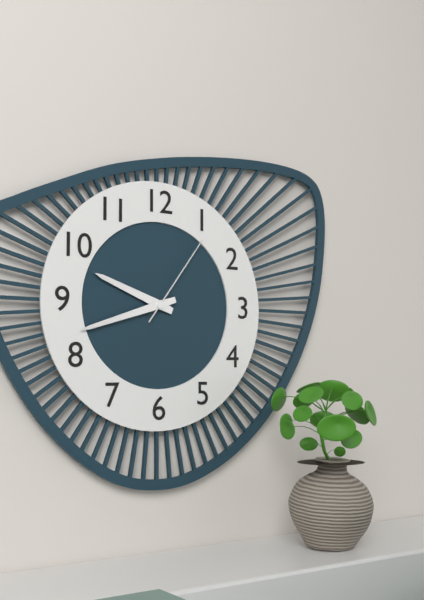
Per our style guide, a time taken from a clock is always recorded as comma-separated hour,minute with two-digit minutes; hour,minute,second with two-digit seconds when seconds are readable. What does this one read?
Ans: 9,42,06
